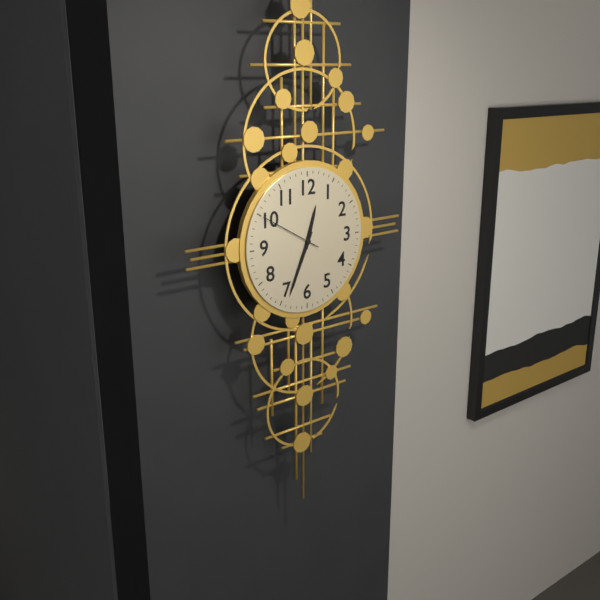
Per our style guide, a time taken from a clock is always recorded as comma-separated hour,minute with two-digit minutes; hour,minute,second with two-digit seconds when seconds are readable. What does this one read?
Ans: 12,34,50
